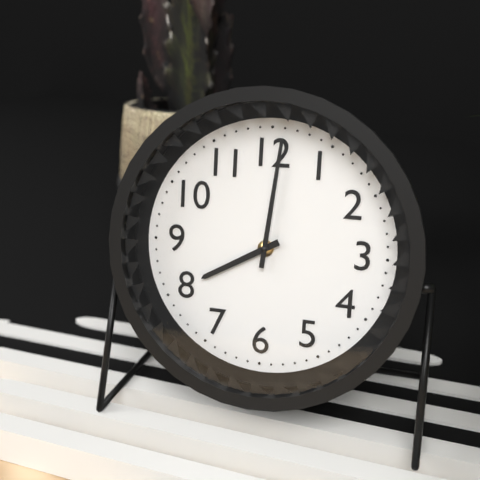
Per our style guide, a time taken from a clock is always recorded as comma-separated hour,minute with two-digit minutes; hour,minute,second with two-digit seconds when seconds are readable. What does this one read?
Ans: 8,01
